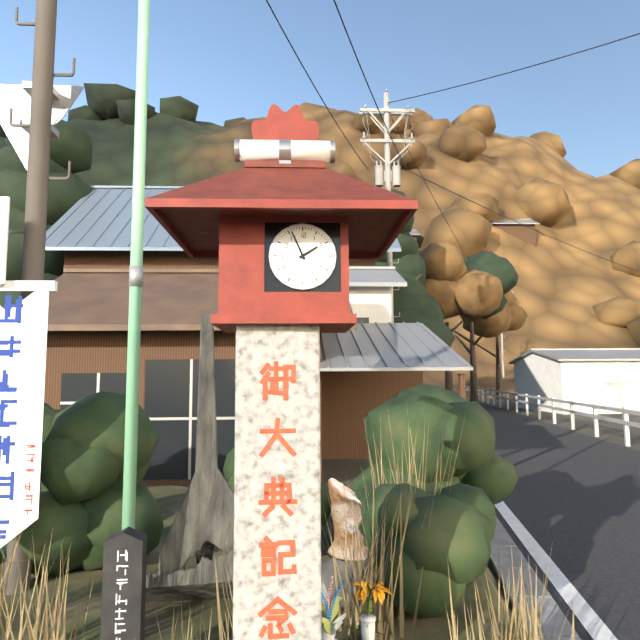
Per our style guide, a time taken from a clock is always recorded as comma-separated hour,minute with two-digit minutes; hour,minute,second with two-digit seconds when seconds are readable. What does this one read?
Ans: 1,56
